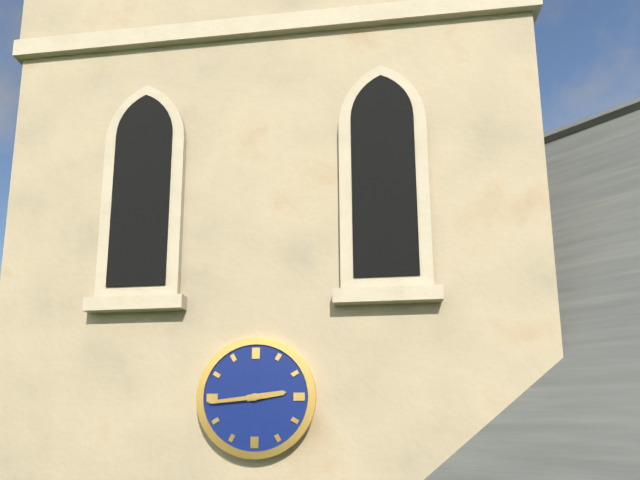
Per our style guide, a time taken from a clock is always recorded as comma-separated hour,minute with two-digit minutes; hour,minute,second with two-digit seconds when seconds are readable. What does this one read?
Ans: 2,44
